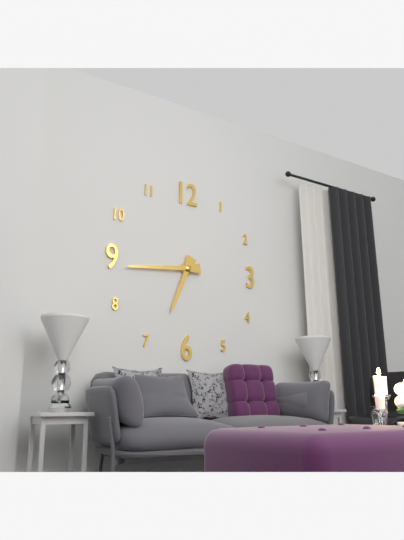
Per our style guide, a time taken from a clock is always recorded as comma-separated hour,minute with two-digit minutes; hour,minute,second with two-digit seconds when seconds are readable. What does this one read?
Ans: 6,44
